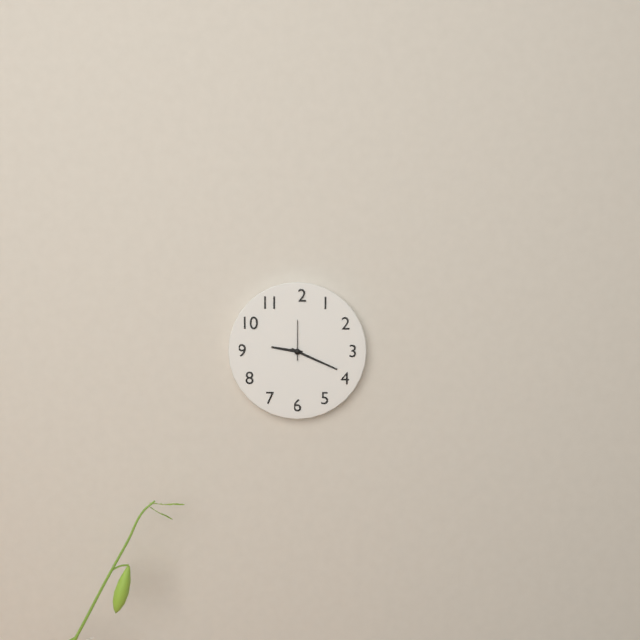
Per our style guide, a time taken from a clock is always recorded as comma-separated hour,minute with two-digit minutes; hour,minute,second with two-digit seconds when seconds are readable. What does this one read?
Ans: 9,19
